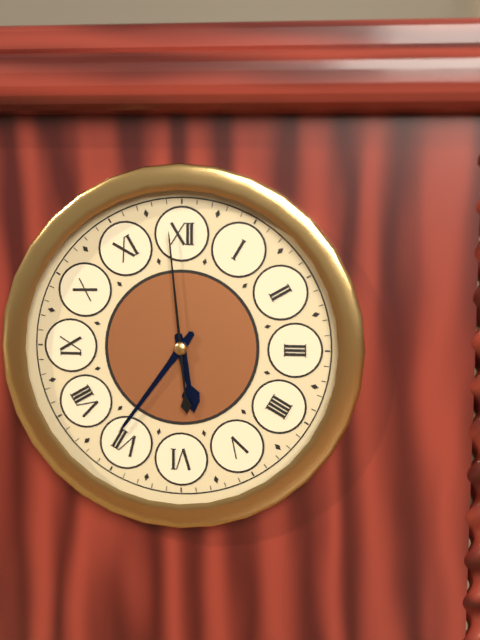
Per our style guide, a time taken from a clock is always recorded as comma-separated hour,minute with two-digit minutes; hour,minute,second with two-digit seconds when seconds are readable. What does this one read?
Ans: 5,36,59
